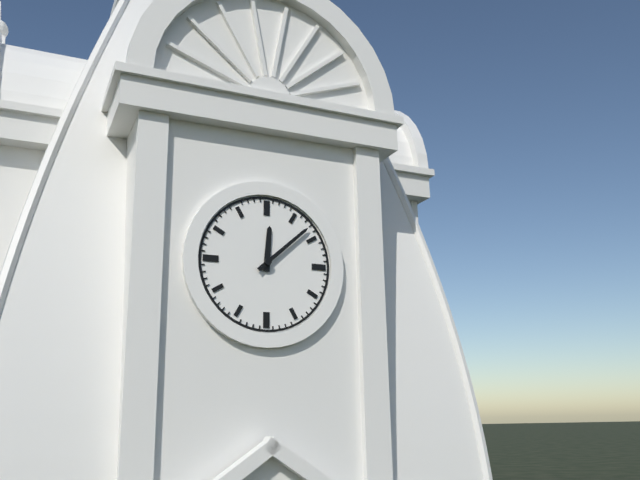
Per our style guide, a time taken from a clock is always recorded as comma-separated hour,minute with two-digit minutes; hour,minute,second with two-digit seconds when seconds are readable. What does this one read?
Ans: 12,08
